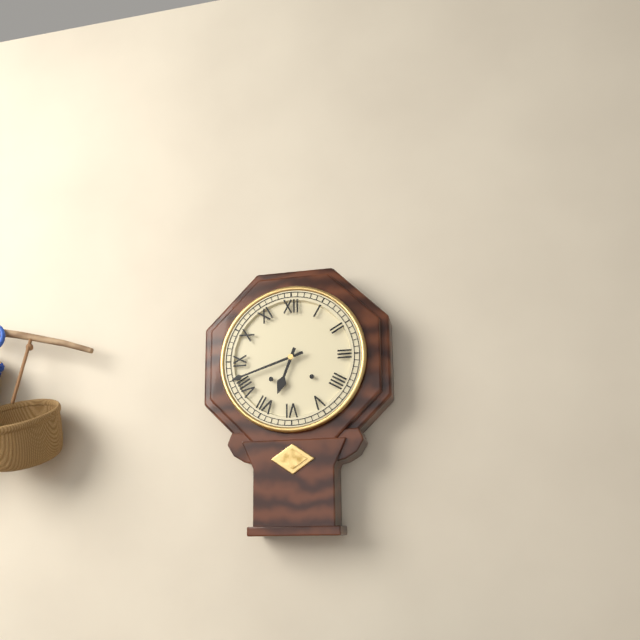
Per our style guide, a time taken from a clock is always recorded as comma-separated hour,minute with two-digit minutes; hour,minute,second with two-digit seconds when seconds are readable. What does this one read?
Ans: 6,42
